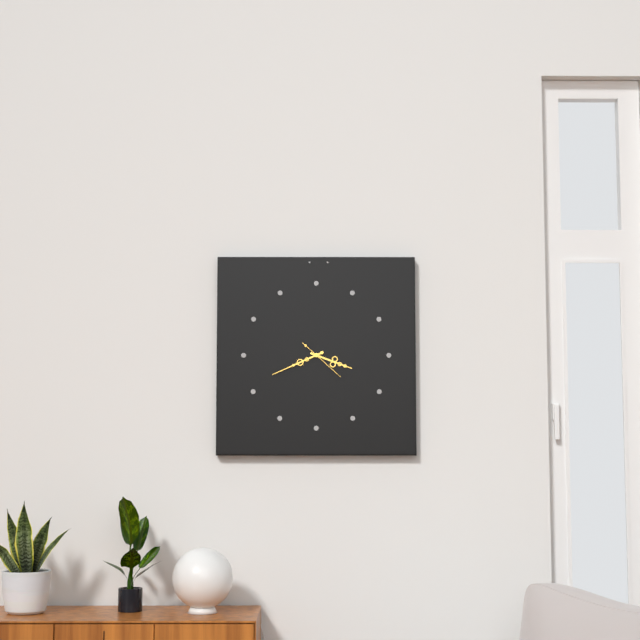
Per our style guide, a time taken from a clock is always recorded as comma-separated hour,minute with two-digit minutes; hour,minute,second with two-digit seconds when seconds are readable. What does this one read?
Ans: 3,41
